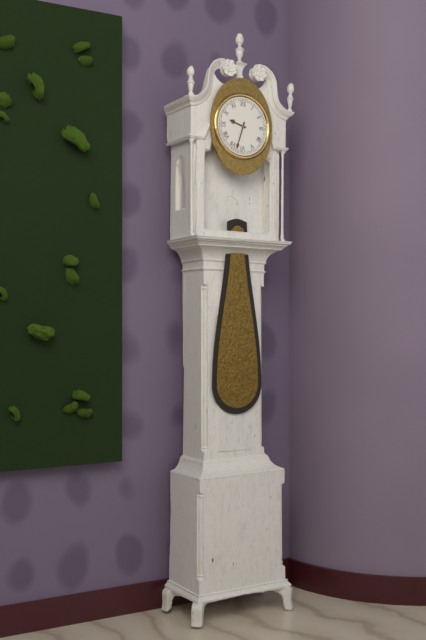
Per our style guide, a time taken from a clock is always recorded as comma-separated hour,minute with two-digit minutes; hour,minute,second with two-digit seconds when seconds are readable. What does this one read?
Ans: 9,33
